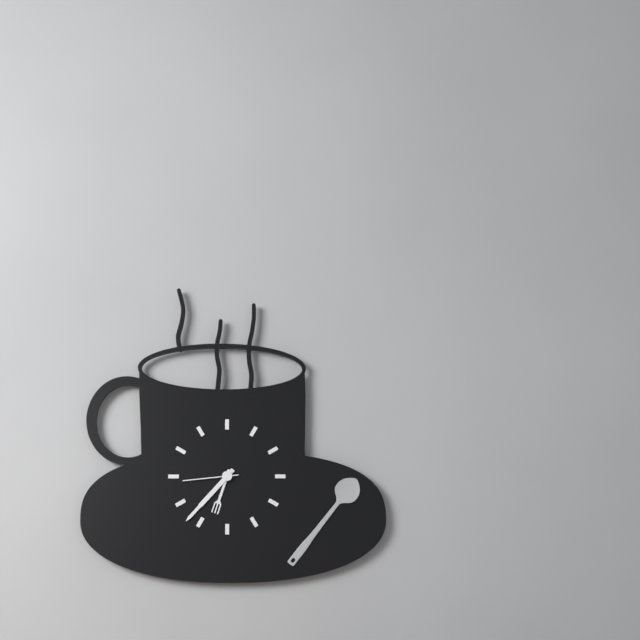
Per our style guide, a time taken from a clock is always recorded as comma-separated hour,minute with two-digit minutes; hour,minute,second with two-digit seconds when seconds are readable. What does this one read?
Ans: 6,37,44
